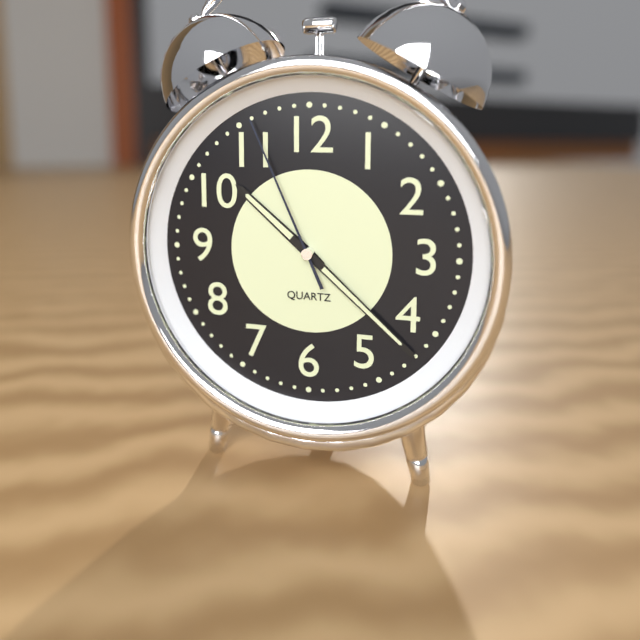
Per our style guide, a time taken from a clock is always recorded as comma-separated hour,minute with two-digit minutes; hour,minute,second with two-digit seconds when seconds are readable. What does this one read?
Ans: 10,22,56
